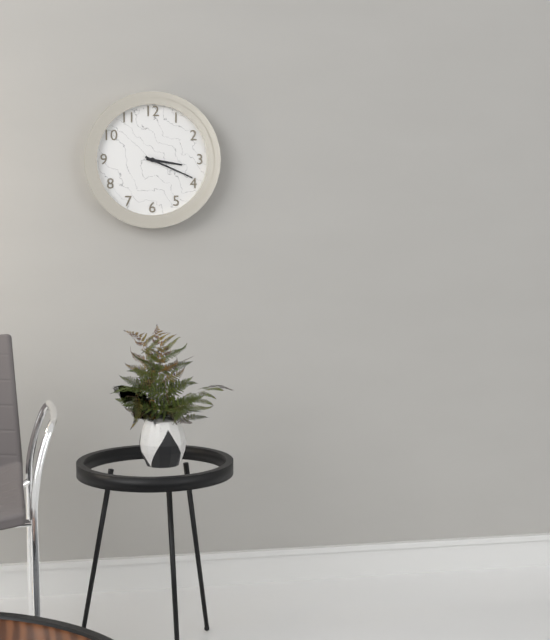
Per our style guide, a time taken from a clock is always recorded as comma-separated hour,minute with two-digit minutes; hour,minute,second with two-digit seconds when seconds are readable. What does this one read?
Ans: 3,19
